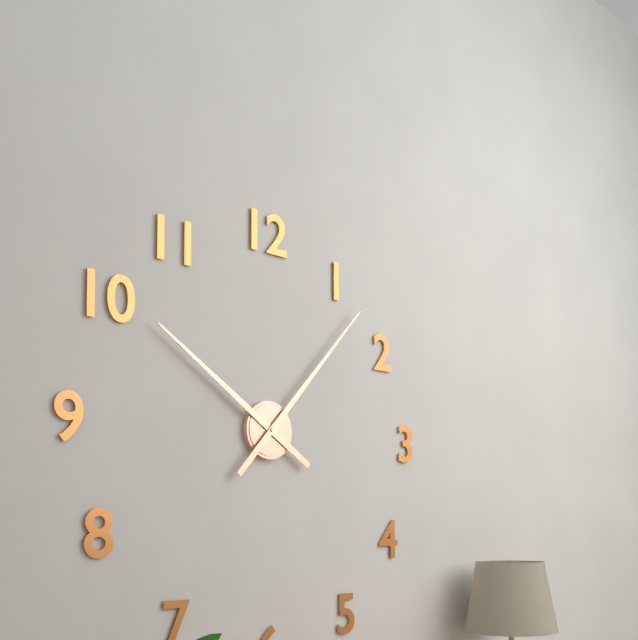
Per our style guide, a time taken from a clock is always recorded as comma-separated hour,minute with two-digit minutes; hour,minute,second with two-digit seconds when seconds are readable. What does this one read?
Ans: 10,07
